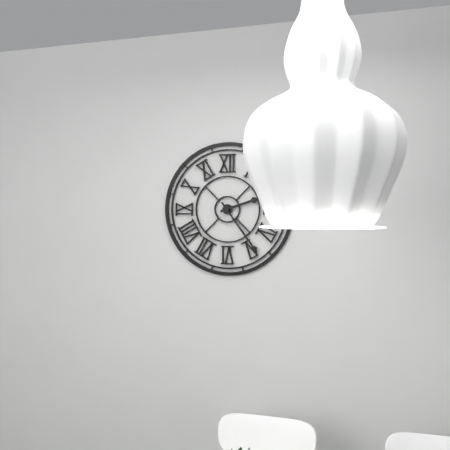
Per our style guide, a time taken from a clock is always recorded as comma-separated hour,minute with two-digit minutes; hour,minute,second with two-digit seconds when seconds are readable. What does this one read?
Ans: 2,24
